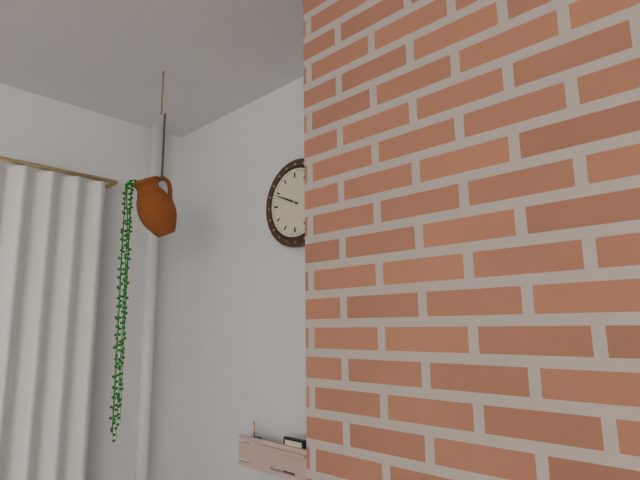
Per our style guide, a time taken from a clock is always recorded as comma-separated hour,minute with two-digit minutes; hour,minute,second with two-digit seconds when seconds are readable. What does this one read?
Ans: 9,49
